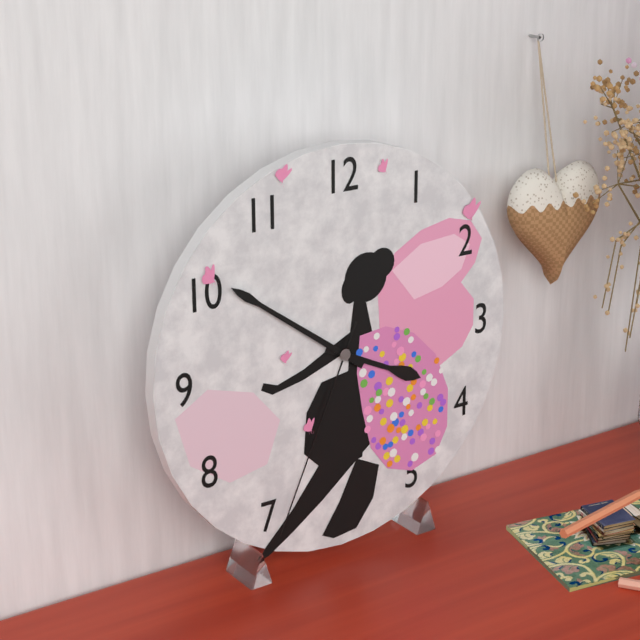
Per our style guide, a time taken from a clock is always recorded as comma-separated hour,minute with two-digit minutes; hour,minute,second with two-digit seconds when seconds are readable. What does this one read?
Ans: 3,51,34
